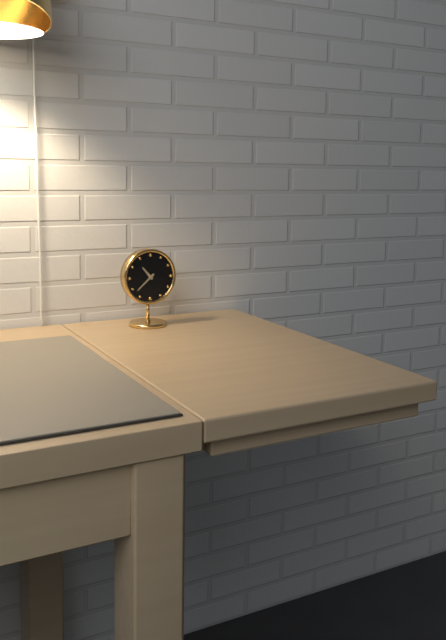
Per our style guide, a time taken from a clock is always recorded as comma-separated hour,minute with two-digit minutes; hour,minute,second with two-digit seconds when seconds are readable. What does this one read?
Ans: 10,38
